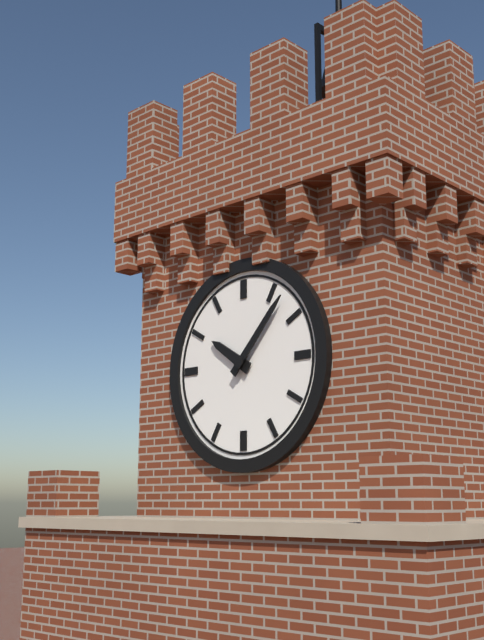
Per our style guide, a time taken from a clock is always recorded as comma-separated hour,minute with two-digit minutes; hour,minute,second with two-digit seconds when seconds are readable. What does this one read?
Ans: 10,07
